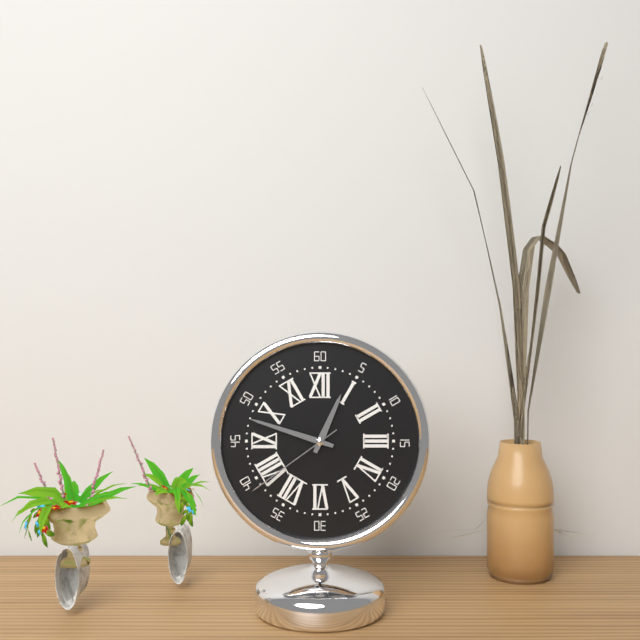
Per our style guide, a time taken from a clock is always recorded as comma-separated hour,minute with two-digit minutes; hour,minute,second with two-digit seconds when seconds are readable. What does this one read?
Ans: 12,48,39
